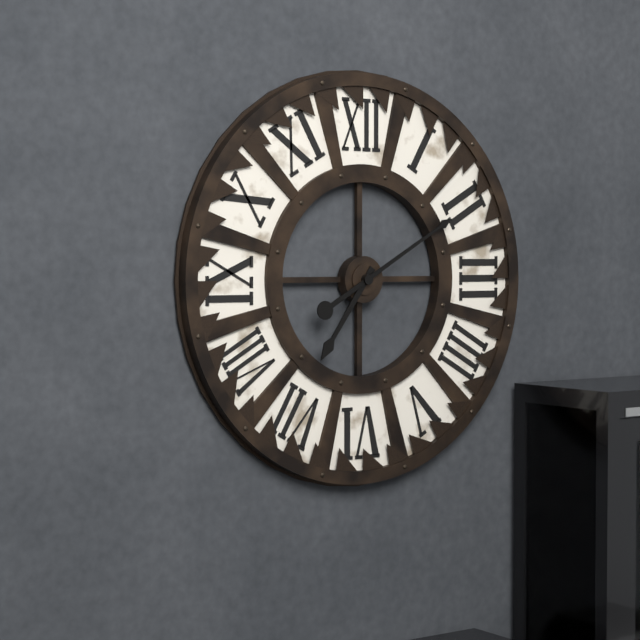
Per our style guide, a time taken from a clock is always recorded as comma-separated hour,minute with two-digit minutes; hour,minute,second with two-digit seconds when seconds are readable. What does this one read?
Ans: 7,10
